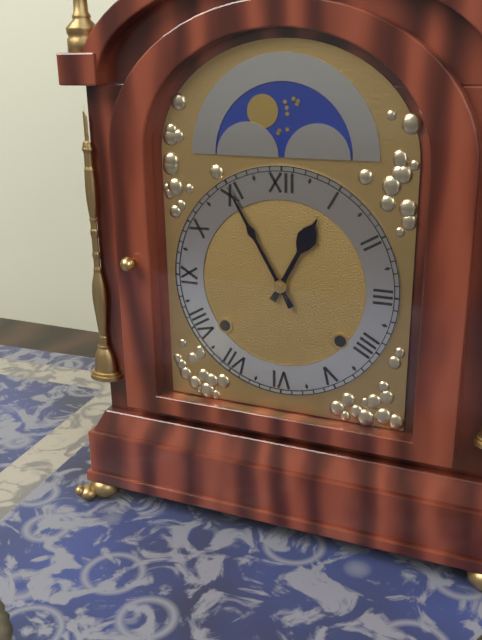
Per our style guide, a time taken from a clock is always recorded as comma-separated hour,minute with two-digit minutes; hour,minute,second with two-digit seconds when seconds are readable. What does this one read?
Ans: 12,55
